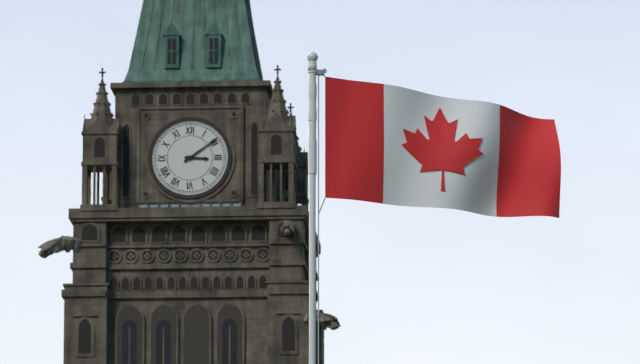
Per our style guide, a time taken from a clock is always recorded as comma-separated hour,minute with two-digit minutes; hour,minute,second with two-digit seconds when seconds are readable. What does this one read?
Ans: 3,09
